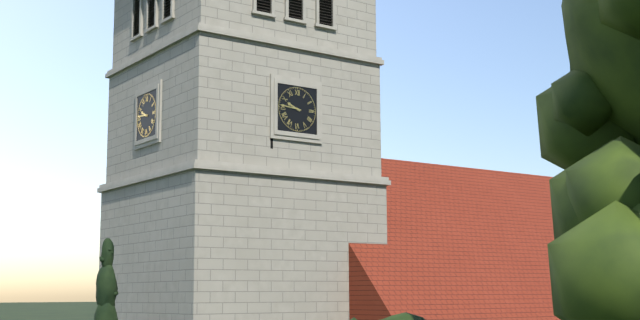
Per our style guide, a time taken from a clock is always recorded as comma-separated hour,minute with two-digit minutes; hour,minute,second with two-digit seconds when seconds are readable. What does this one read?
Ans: 9,46
